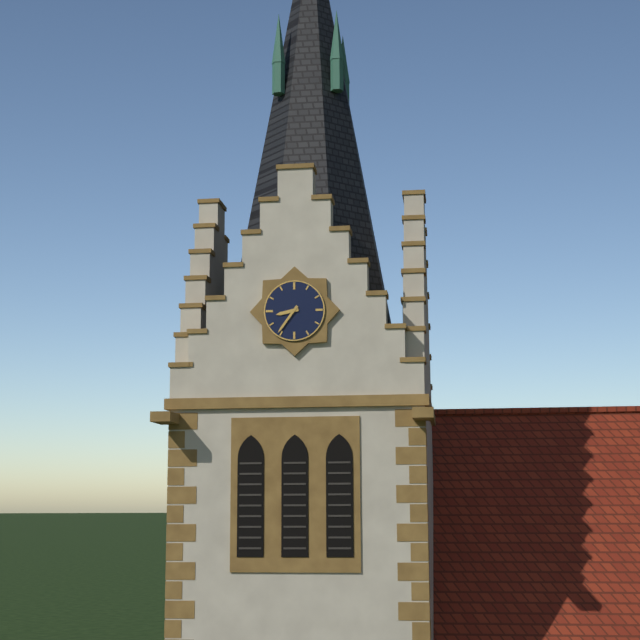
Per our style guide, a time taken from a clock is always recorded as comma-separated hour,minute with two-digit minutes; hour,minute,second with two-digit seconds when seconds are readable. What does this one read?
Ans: 8,36
